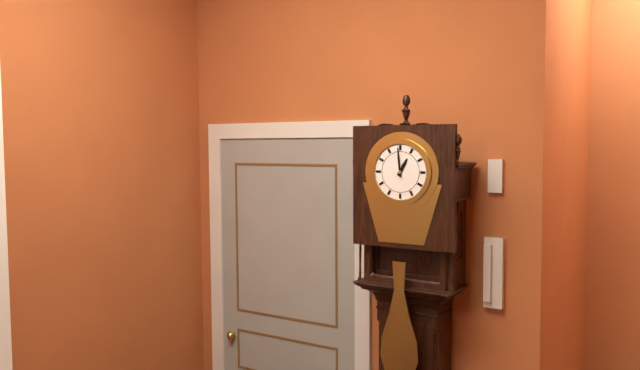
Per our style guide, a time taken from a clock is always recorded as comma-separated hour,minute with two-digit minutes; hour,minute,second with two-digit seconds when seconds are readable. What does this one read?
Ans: 12,59
